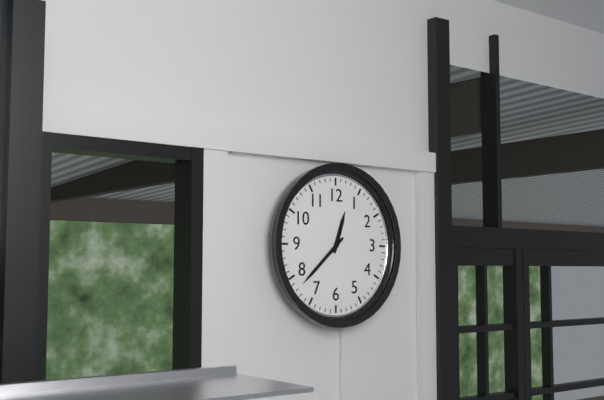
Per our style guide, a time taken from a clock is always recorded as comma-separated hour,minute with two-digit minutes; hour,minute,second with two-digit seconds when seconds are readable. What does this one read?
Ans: 12,38
